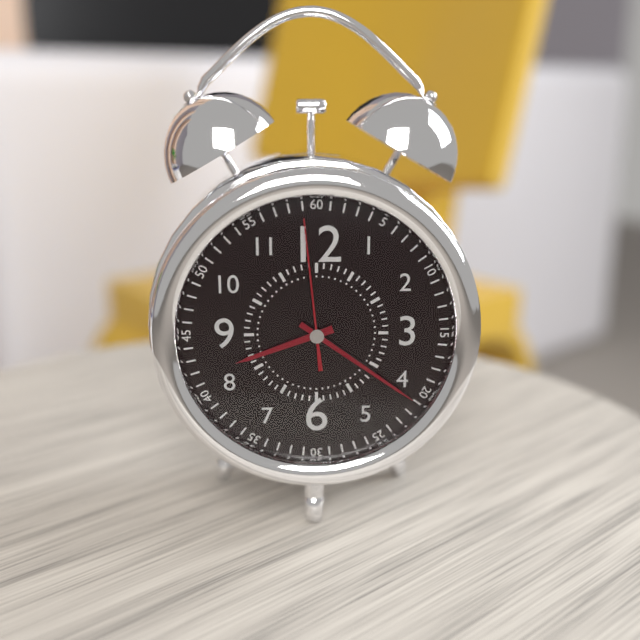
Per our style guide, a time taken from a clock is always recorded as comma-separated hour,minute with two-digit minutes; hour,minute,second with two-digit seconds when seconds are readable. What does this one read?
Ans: 8,21,59
